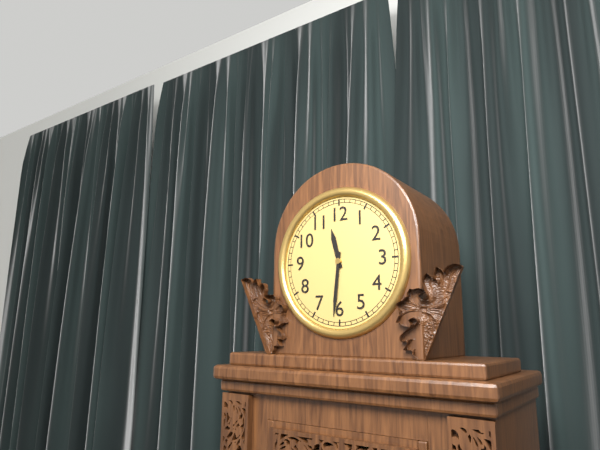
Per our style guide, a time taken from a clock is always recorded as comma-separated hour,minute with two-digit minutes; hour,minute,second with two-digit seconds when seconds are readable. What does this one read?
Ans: 11,31
